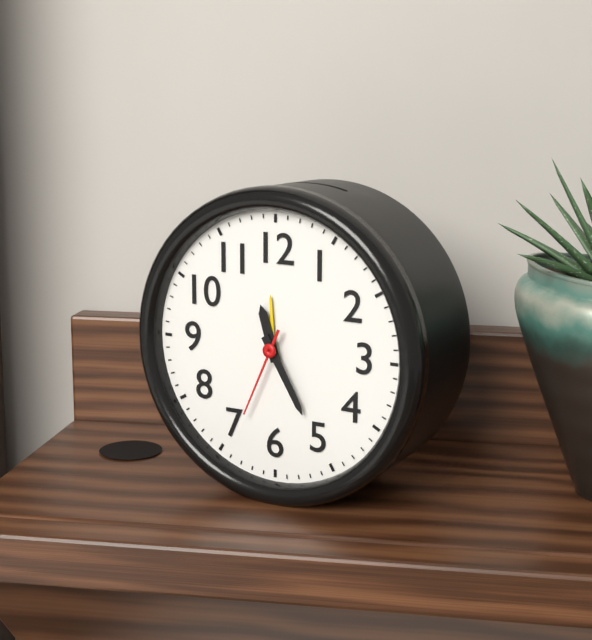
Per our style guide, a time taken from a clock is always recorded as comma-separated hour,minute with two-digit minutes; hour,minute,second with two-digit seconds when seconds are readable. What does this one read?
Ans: 11,25,34
